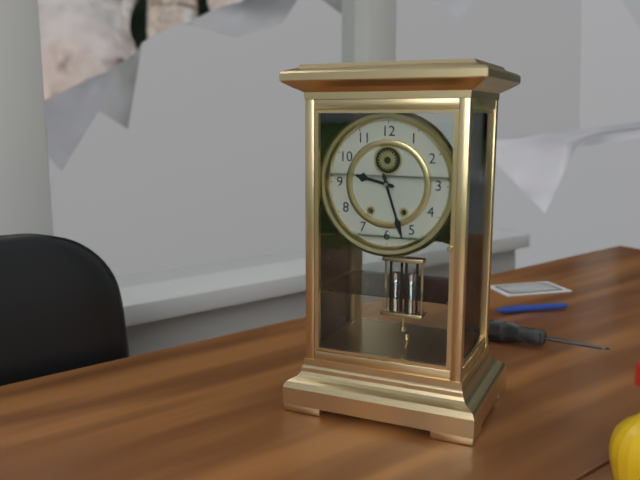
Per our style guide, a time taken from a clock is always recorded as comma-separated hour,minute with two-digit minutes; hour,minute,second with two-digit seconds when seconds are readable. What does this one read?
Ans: 9,27
